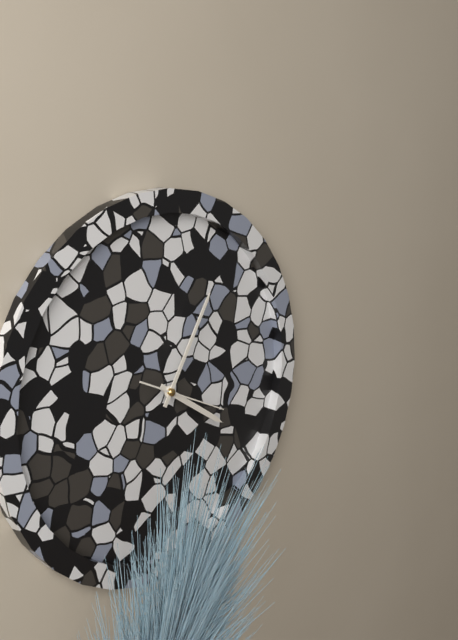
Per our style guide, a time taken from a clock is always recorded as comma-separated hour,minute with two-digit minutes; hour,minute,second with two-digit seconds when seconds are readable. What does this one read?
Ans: 4,05,19
